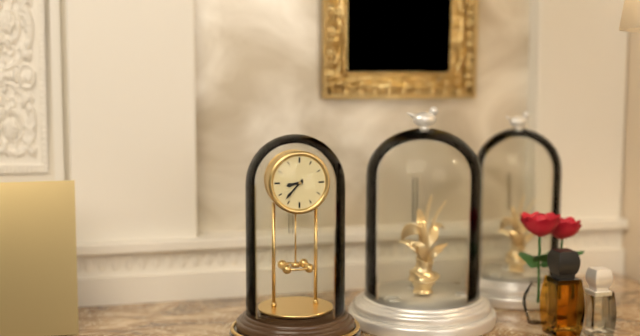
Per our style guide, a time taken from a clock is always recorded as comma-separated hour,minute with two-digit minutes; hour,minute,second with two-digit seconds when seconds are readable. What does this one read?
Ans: 8,37
